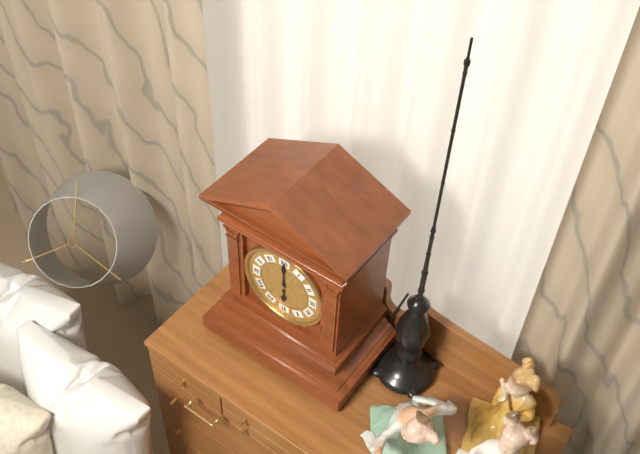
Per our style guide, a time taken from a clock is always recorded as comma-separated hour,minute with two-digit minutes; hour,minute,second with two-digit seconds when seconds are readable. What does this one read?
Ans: 6,00
